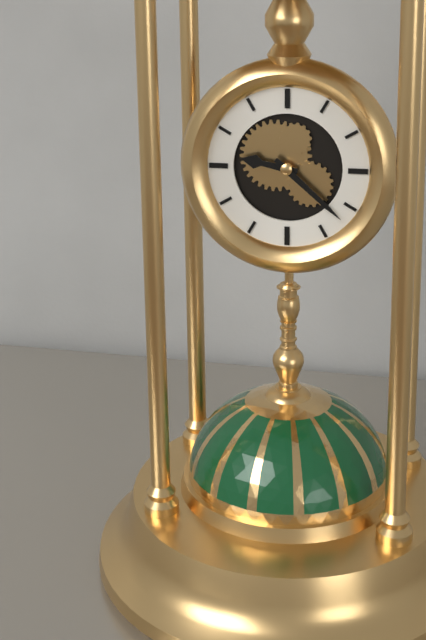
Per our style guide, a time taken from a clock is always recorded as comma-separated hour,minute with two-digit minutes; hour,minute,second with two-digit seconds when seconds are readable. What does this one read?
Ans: 9,22
